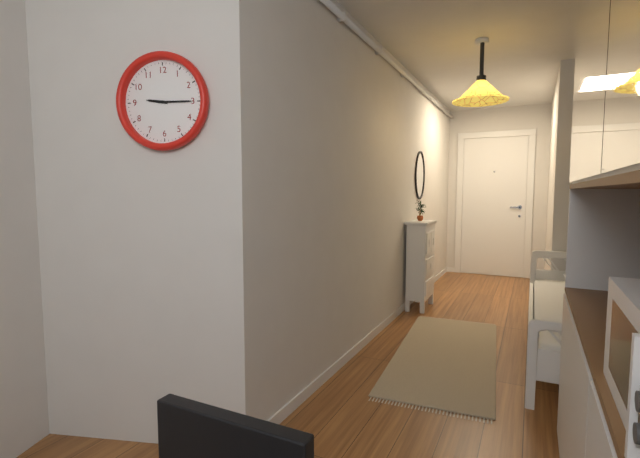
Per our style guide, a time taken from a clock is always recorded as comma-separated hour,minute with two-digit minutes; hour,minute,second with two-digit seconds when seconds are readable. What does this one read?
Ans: 9,15
